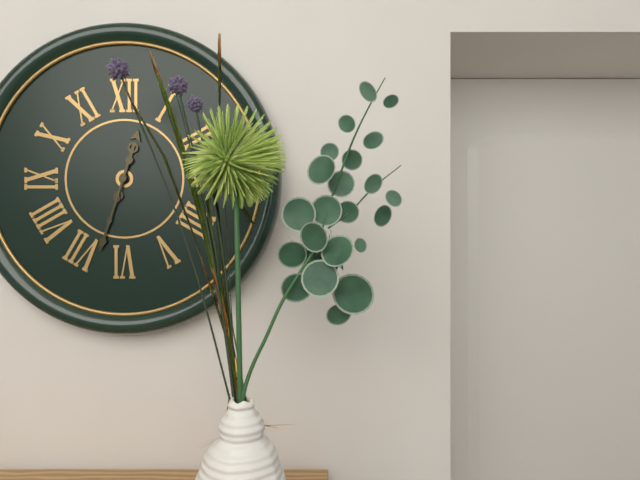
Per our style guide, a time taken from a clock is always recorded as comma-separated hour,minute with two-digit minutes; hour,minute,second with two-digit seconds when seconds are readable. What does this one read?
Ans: 12,33
